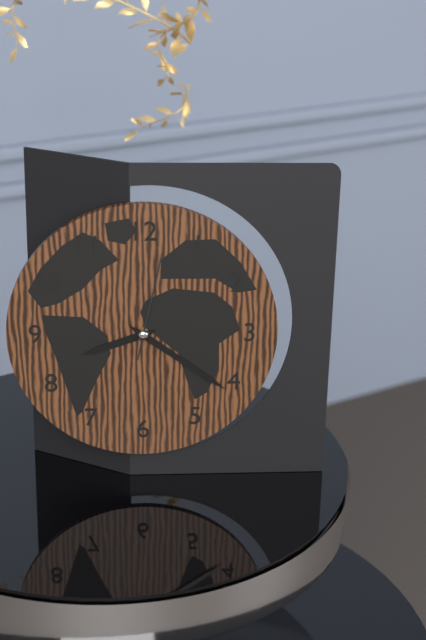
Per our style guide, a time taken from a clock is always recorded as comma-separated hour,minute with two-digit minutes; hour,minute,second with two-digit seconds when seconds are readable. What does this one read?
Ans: 8,21,02
